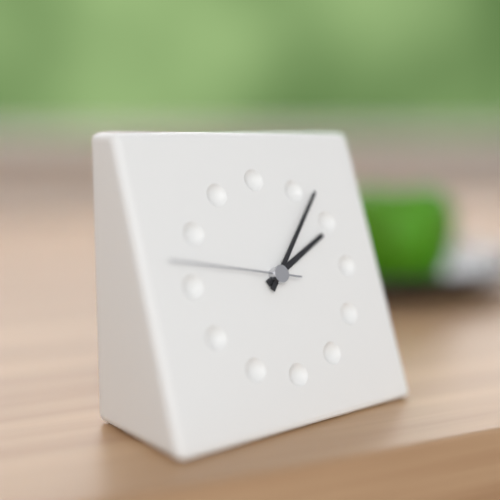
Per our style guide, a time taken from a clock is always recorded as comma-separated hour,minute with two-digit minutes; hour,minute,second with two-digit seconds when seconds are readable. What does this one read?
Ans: 2,07,47
